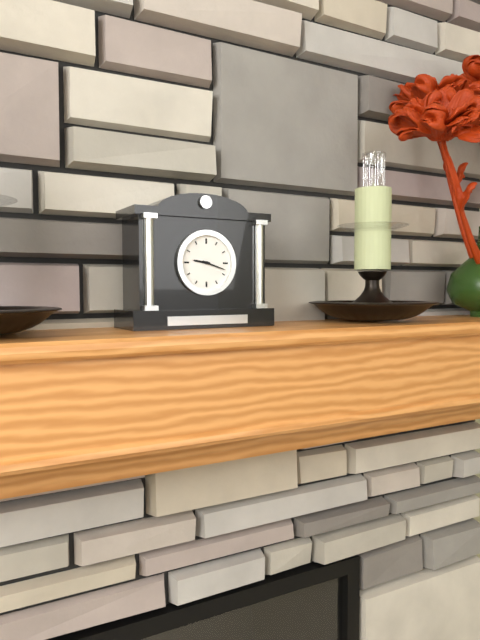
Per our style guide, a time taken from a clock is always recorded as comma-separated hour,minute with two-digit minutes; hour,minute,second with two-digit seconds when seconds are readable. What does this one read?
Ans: 9,18
